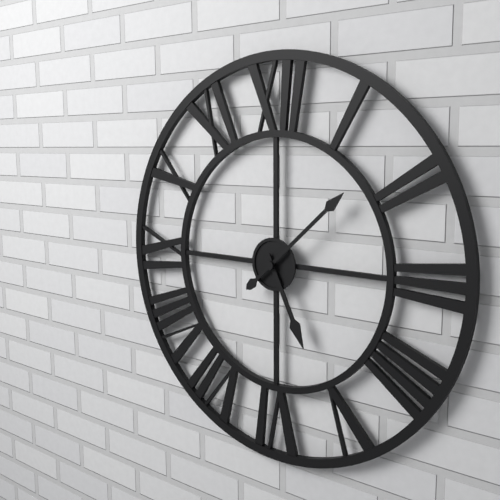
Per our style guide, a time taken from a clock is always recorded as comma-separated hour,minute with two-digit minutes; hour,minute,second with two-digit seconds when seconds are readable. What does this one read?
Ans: 5,08
